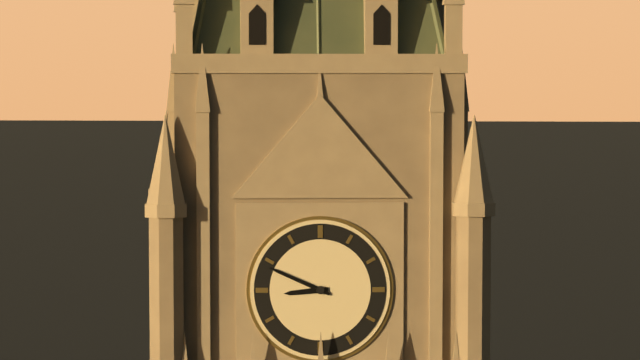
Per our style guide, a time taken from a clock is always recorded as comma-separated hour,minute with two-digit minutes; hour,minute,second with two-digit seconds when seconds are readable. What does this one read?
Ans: 8,49
